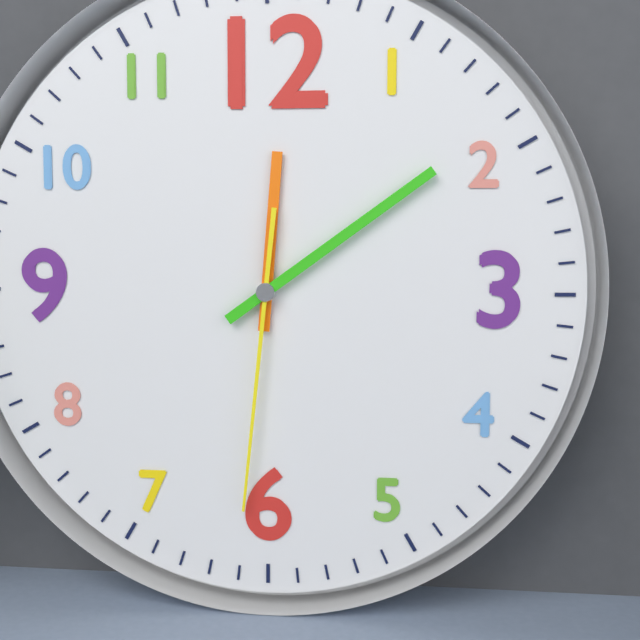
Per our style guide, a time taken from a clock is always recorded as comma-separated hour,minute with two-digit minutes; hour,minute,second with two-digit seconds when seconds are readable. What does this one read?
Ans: 12,09,31
